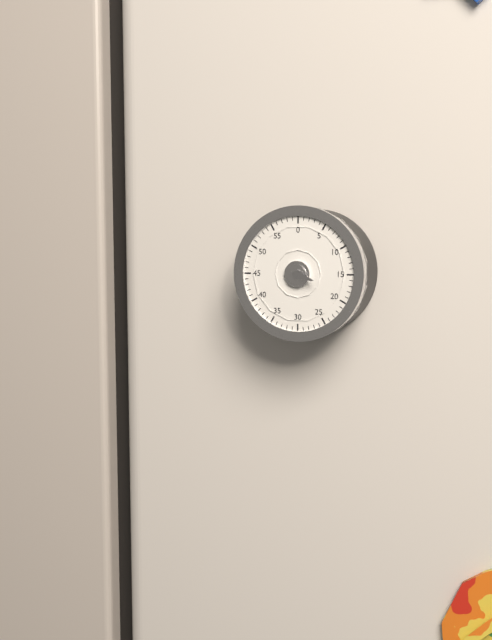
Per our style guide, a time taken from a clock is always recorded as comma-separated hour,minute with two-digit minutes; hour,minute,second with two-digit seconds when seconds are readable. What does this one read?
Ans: 3,18
